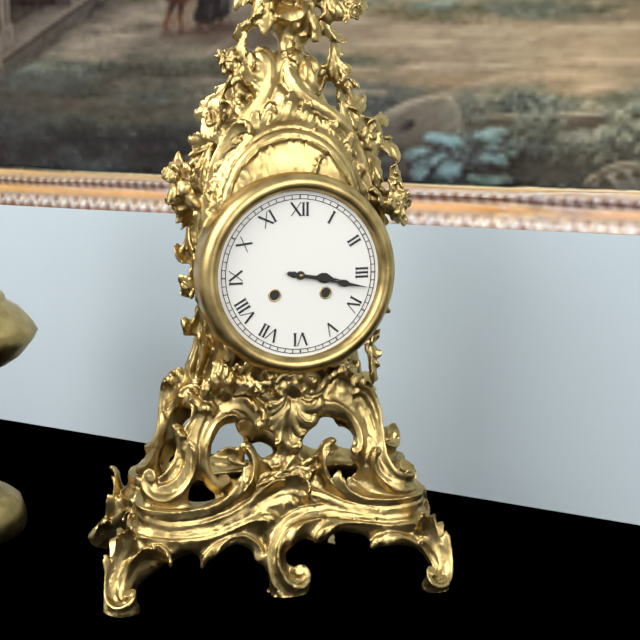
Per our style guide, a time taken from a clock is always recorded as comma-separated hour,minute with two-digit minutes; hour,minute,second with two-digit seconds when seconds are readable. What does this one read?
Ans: 3,17
